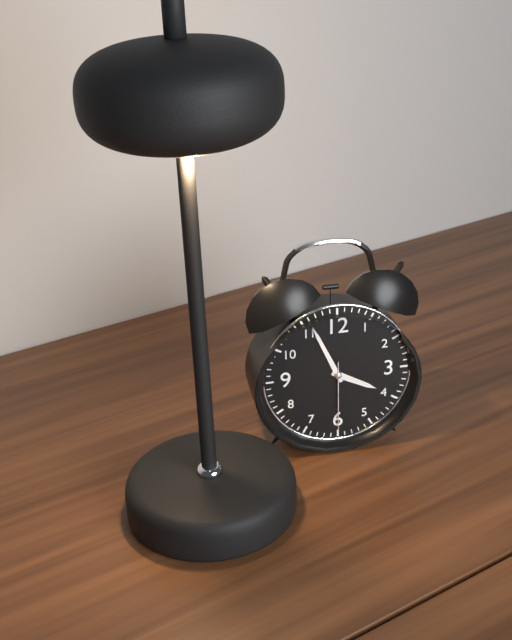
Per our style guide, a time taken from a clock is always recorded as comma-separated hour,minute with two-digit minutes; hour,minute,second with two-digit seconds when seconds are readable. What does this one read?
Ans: 3,56,30
